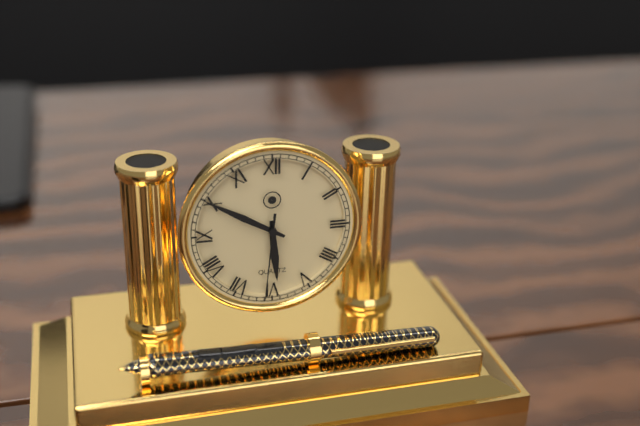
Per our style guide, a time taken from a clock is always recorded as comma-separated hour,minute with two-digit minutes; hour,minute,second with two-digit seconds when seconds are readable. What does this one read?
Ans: 5,50,31
